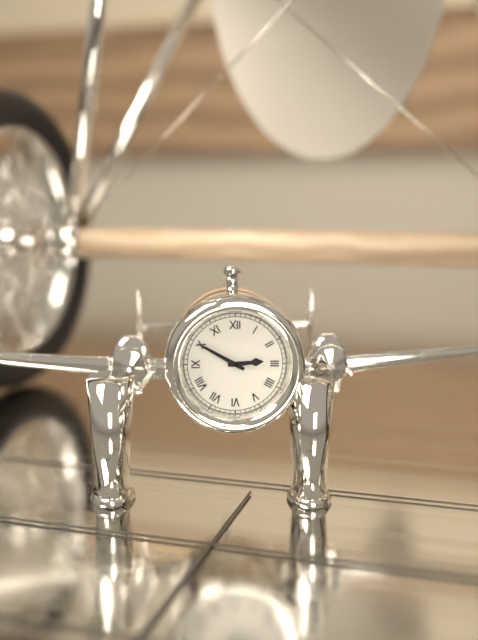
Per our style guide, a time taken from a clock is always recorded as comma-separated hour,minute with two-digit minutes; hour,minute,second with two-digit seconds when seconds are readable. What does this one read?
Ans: 2,50
